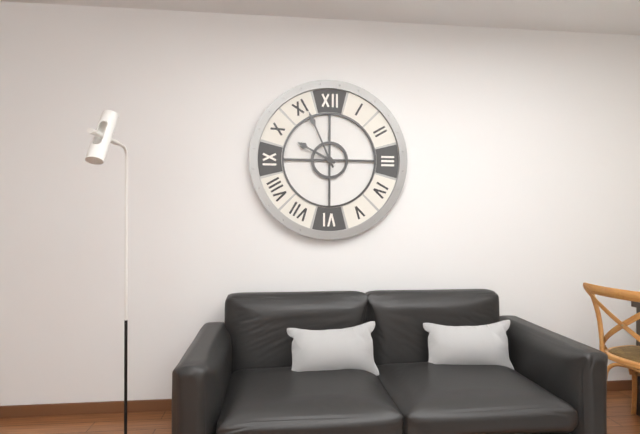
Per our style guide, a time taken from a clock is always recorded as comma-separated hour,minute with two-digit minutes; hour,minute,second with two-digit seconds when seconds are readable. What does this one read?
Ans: 9,56
